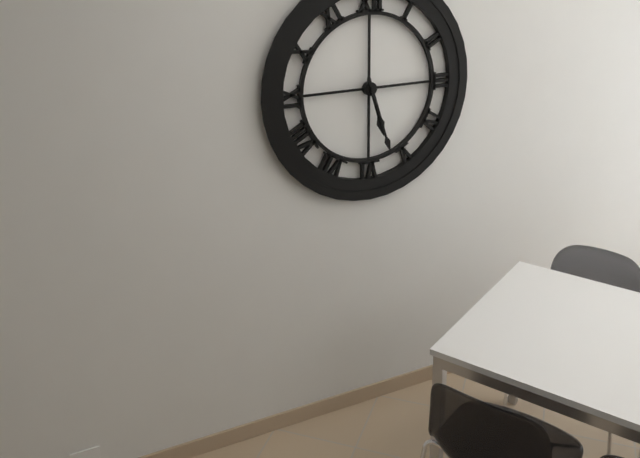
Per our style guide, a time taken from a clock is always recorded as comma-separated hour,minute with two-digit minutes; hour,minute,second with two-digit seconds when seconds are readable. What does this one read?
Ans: 5,27
